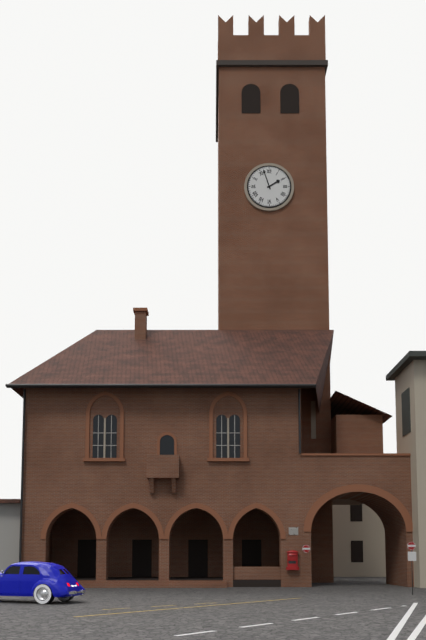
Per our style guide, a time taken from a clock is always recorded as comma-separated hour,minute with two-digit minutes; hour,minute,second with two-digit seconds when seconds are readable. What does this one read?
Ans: 1,57
